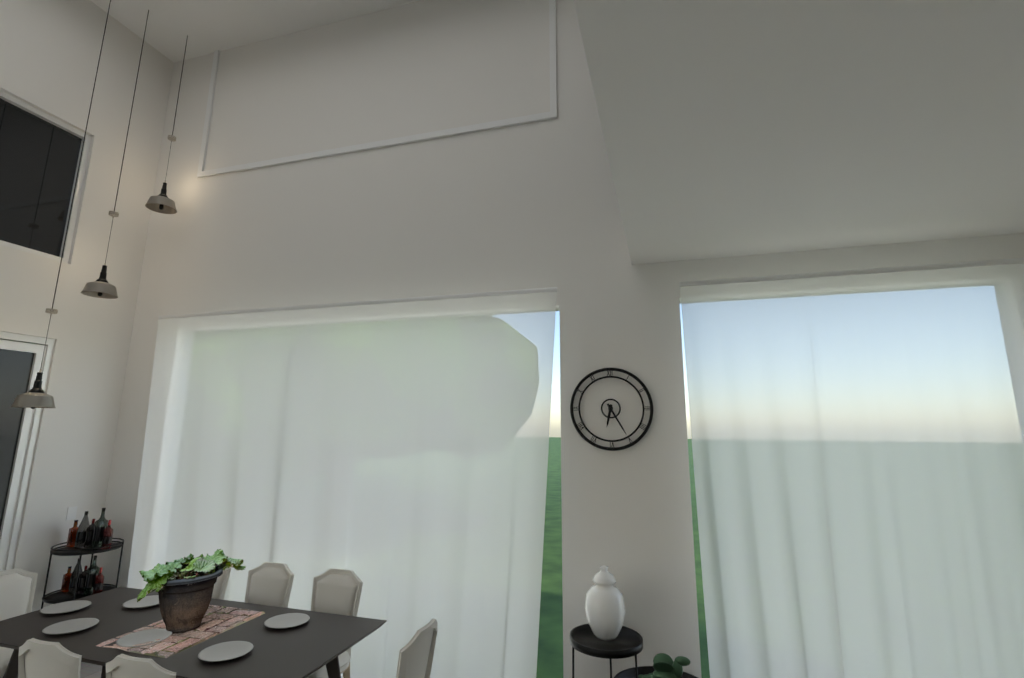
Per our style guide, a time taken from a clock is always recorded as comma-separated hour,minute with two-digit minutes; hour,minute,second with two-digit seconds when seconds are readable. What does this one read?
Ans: 6,25
